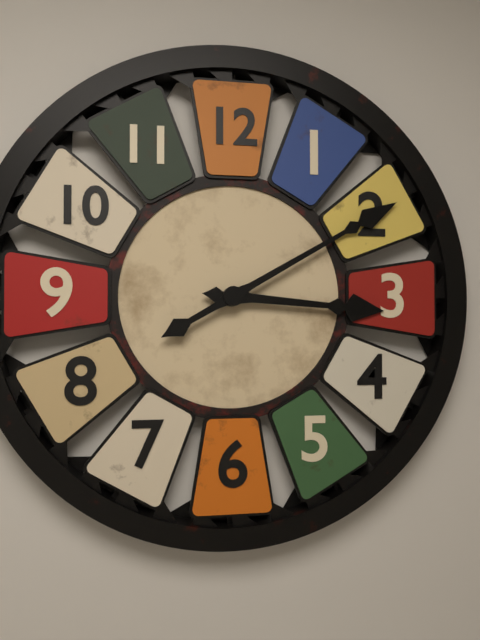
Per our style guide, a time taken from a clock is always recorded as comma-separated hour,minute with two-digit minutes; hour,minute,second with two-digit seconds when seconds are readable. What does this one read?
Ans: 3,10
